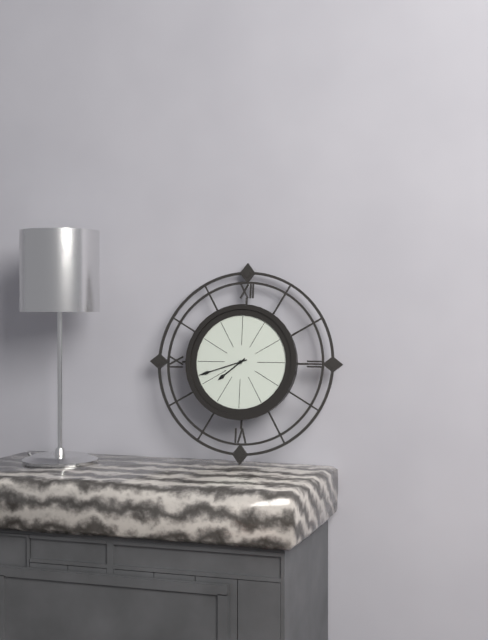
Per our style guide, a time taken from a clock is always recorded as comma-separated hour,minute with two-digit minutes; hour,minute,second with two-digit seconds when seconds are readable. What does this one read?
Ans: 7,42
